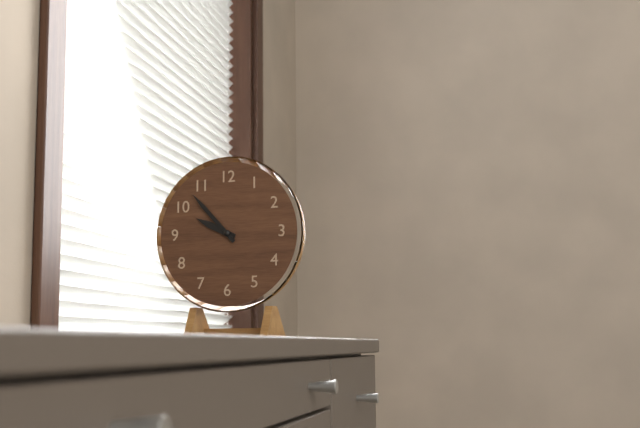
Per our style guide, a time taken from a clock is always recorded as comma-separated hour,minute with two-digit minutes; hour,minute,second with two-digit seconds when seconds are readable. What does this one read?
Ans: 9,53
